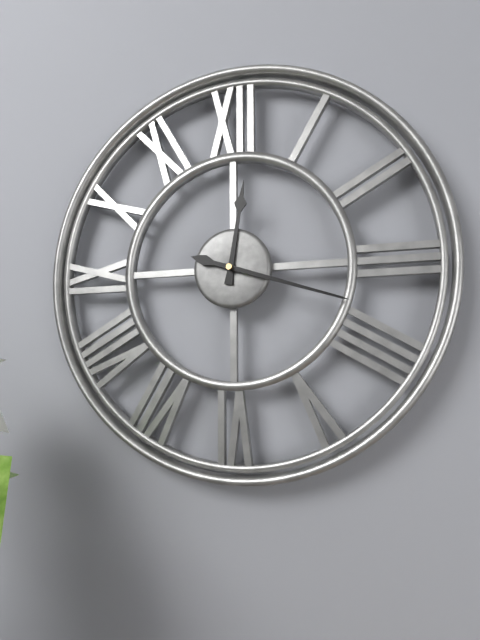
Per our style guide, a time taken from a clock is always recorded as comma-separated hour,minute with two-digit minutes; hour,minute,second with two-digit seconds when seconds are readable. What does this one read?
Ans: 12,18
